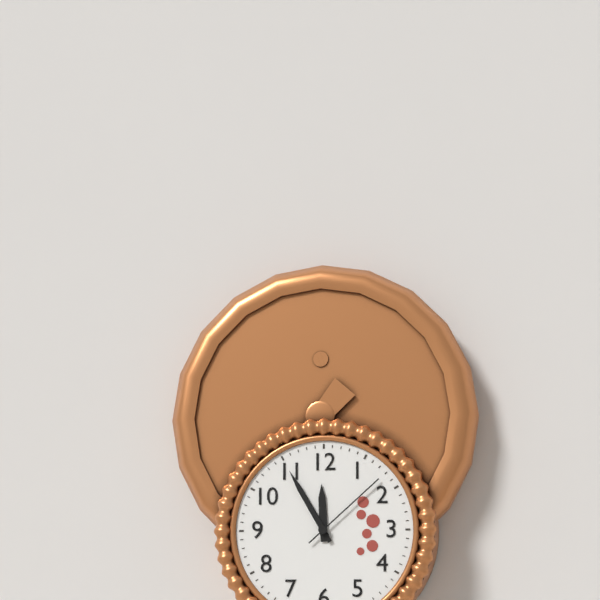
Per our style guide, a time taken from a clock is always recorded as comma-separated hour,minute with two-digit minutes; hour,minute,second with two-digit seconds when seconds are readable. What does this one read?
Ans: 11,55,08
